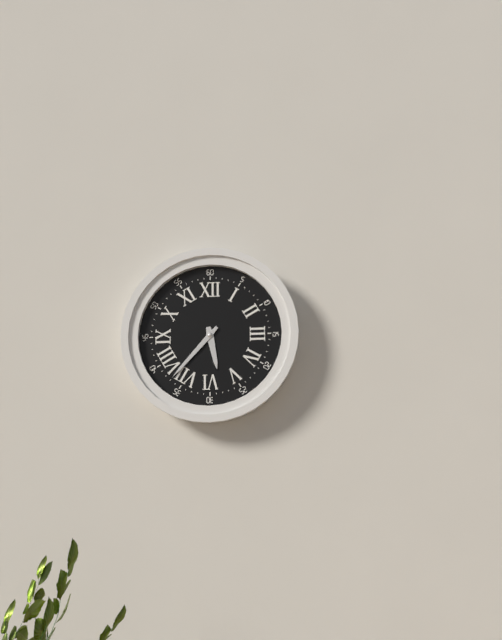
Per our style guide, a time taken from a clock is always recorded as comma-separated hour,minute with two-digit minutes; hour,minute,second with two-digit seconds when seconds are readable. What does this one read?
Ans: 5,37
